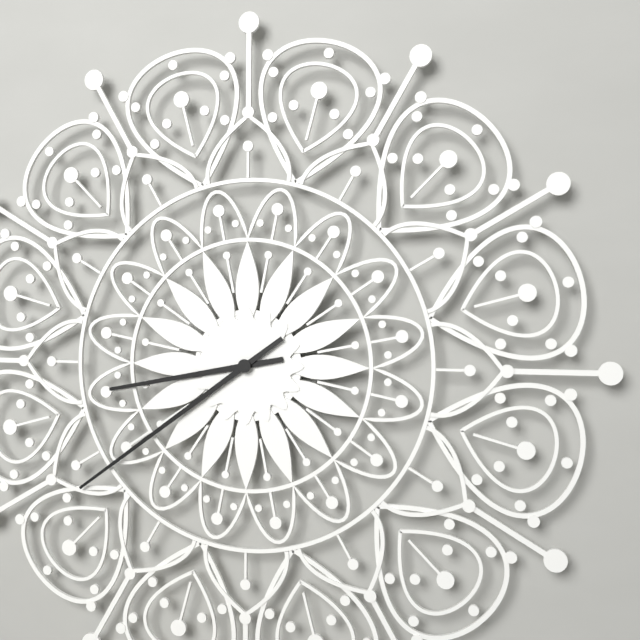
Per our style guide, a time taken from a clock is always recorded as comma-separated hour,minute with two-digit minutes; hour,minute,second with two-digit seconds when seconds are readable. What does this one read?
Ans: 8,39
